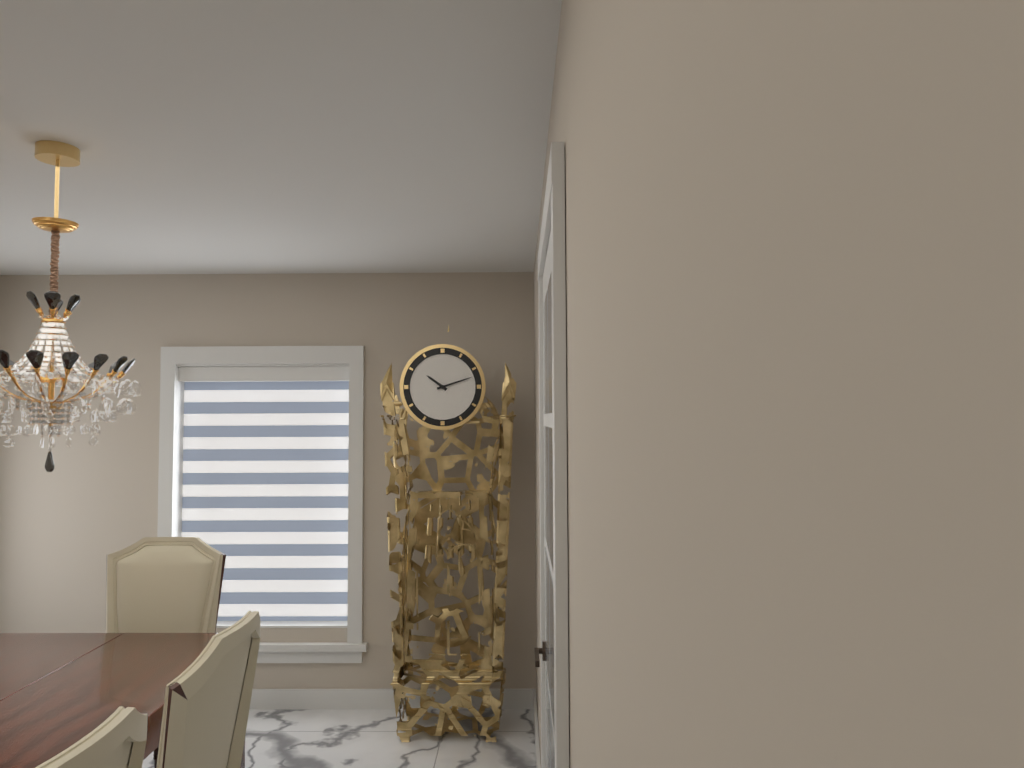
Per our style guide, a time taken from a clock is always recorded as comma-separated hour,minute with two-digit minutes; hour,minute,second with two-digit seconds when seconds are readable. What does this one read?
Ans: 10,12
